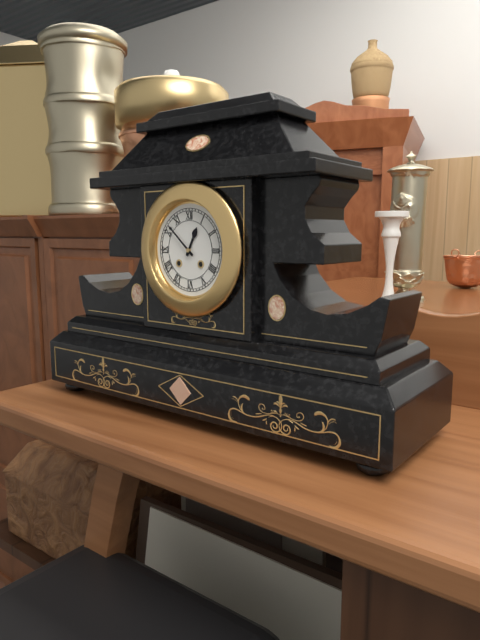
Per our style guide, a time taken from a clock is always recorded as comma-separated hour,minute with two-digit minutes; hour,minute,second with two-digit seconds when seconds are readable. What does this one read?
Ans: 12,52
